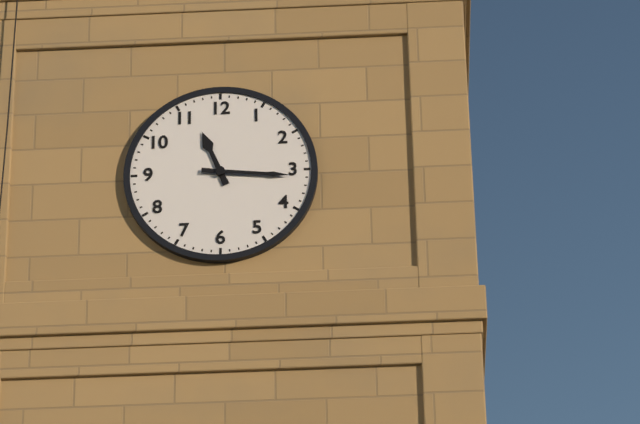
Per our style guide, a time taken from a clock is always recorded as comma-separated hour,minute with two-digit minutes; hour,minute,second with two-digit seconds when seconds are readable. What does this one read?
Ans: 11,16
